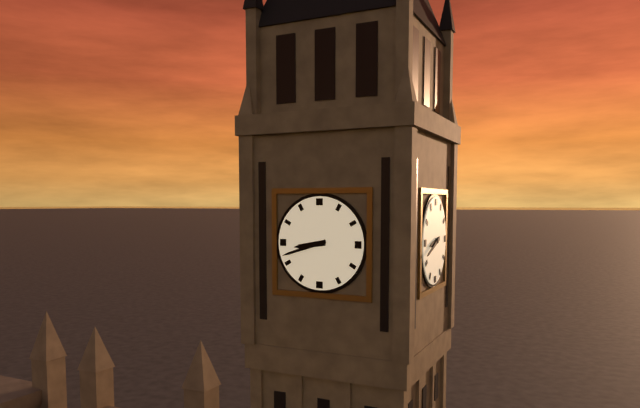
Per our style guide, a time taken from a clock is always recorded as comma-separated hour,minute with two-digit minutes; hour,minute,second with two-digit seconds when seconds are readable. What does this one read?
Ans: 8,42
